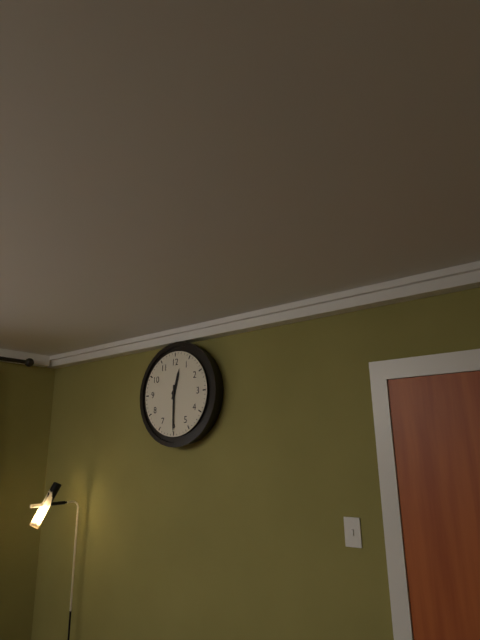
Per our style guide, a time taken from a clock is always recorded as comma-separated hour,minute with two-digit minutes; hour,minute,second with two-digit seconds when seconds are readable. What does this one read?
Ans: 12,30
